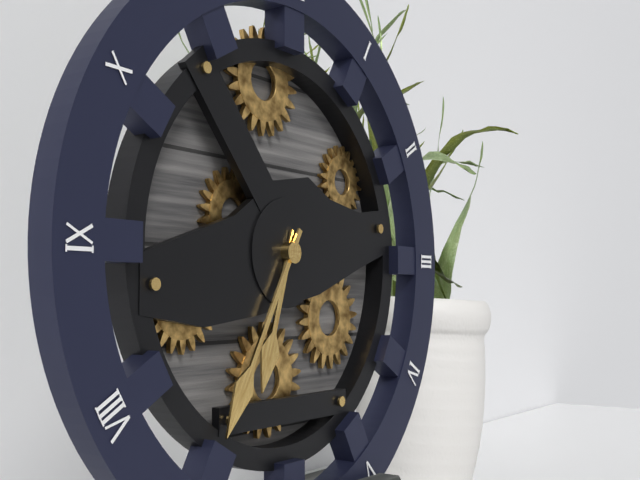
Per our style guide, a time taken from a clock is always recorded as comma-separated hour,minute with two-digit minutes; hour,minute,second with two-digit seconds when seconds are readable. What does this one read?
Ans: 6,35
